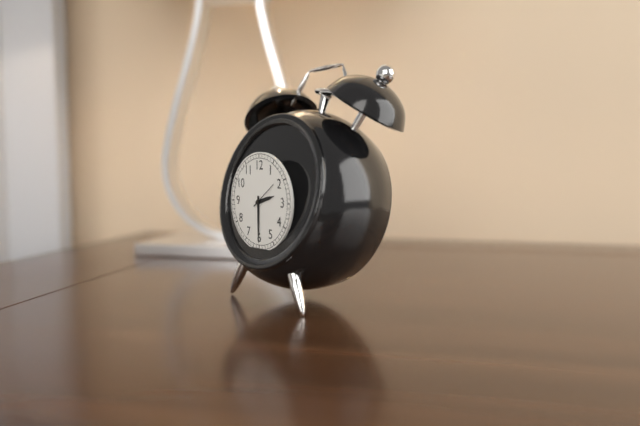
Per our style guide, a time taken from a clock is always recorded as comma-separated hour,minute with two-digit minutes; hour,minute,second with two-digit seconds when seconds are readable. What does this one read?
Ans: 2,30
